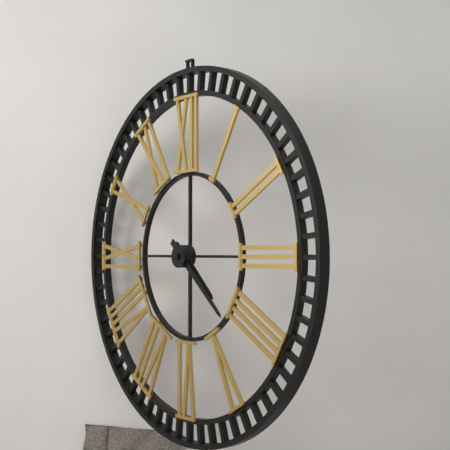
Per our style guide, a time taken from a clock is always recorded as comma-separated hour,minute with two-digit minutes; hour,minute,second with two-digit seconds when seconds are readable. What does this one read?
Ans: 4,22
